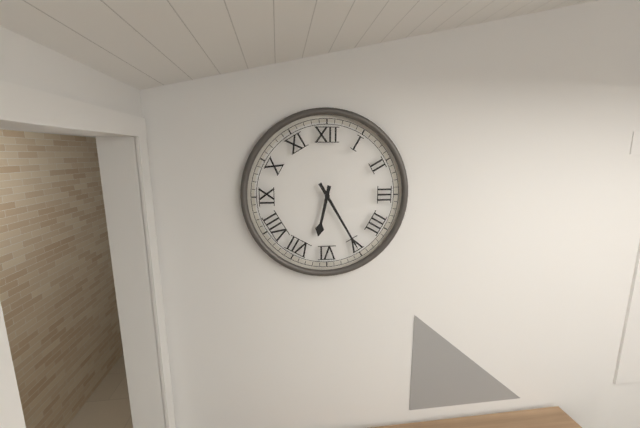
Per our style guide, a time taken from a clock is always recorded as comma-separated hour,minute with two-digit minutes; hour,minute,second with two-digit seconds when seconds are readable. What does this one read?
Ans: 6,25
